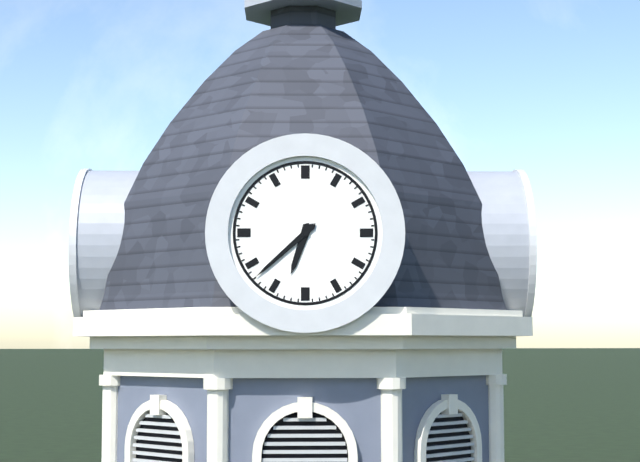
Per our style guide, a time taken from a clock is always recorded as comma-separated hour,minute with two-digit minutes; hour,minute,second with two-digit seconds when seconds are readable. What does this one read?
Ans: 6,38
